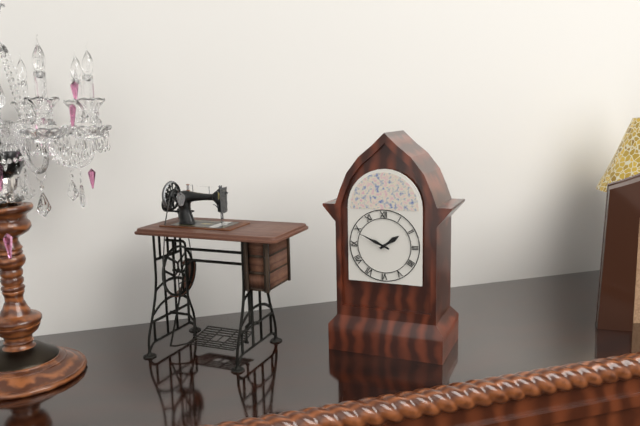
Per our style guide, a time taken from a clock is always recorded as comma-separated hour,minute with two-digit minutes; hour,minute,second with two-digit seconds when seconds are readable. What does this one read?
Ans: 1,49
